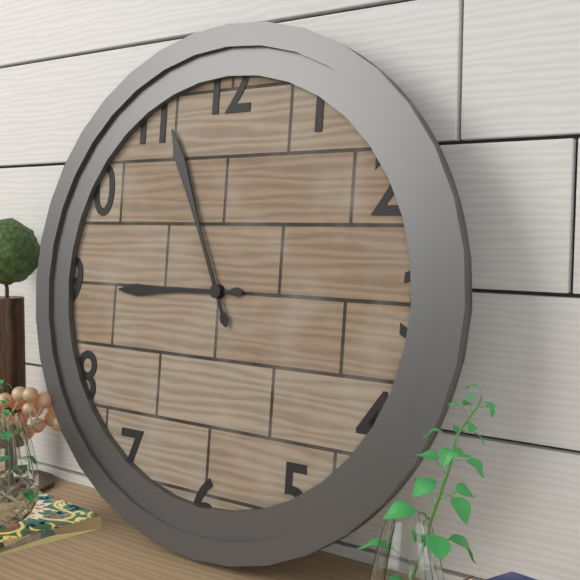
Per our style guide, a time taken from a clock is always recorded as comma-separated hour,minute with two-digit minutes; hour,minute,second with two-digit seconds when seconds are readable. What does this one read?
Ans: 8,56
